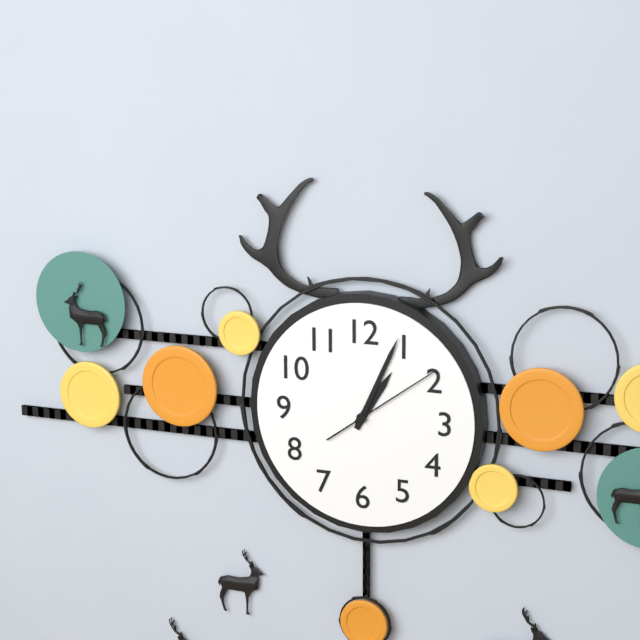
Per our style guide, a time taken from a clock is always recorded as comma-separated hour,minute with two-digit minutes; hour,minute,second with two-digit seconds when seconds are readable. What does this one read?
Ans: 1,04,09
